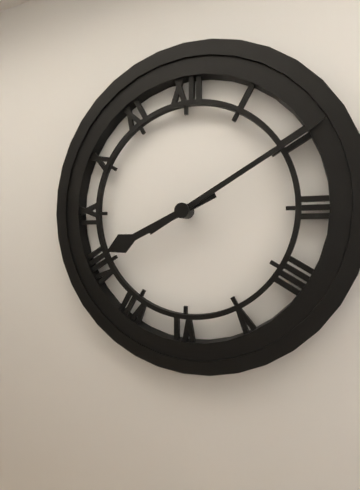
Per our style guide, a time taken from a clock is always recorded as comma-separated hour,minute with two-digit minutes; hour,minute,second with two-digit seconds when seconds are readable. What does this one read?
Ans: 8,10
